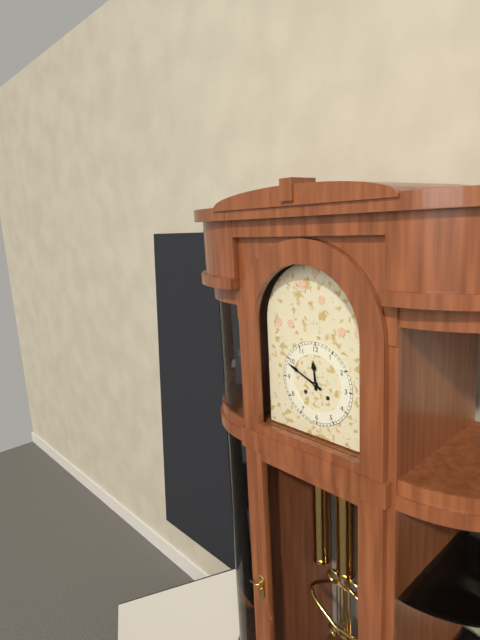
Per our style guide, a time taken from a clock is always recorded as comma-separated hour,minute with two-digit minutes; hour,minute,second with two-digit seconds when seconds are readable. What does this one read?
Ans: 11,49
